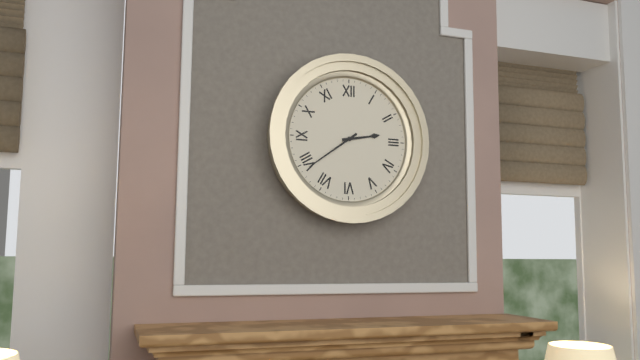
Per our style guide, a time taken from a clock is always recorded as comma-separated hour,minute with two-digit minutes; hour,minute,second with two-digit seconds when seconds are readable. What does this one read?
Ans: 2,39
